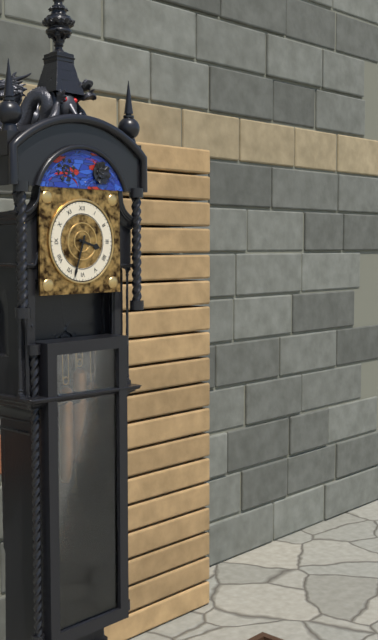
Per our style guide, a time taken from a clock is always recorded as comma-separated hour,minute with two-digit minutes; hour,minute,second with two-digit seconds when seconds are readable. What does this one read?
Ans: 3,33
